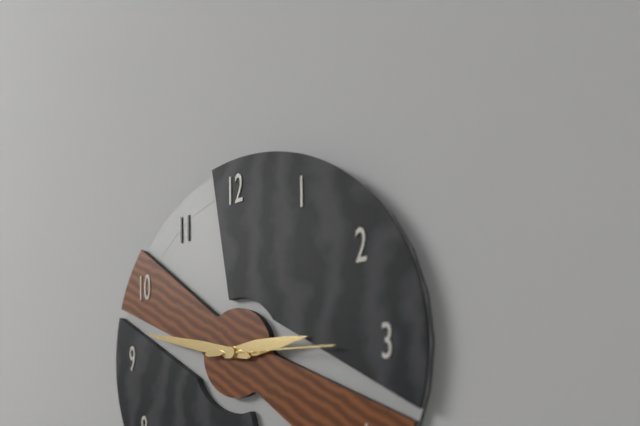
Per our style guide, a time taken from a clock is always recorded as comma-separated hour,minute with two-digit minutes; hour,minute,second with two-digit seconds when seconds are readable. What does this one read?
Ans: 2,47,15
